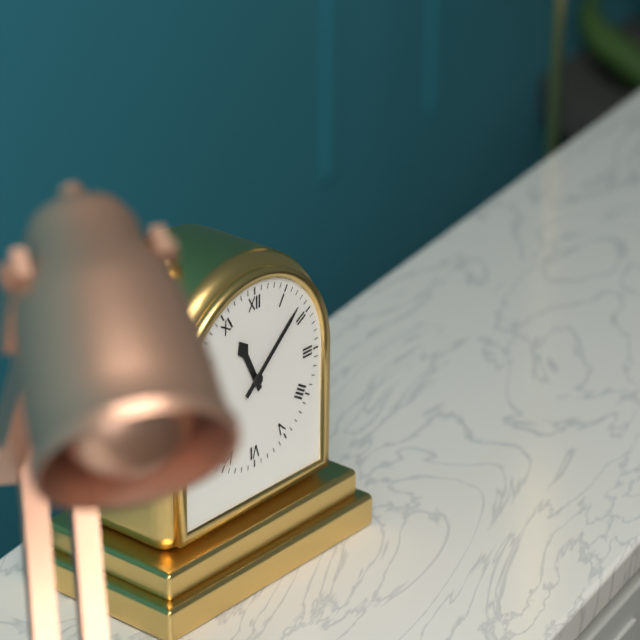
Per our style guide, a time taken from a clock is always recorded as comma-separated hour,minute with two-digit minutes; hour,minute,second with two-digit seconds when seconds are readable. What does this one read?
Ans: 11,08
